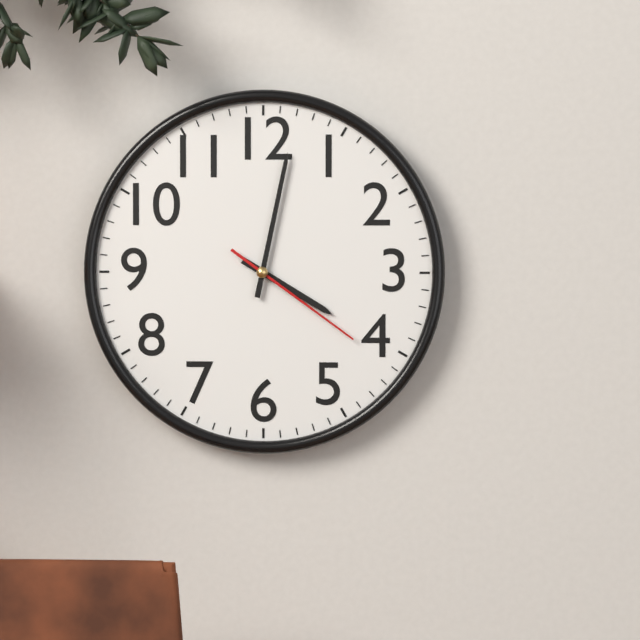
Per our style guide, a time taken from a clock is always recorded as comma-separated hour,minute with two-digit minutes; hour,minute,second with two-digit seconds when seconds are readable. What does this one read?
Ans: 4,02,21
